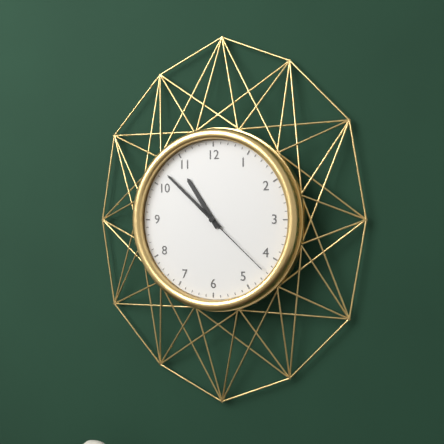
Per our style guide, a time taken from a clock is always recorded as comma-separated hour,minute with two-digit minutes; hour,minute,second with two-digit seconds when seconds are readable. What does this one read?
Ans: 10,52,22
